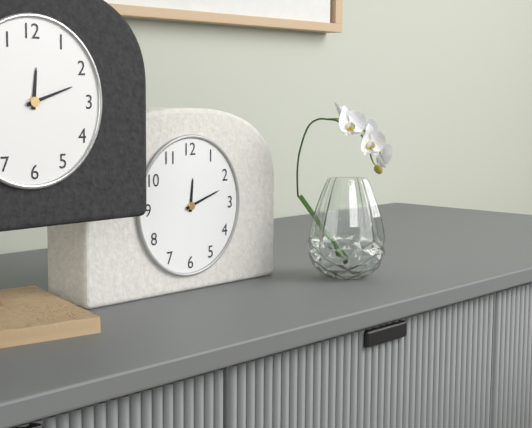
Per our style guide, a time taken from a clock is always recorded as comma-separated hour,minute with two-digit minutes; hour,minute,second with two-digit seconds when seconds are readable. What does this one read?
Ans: 12,12
